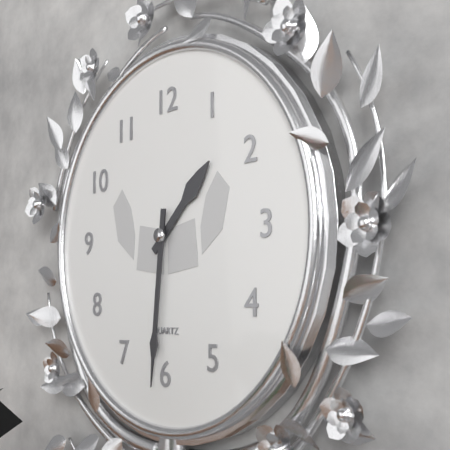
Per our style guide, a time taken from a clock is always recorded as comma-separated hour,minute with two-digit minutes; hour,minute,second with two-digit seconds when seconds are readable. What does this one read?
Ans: 1,31
